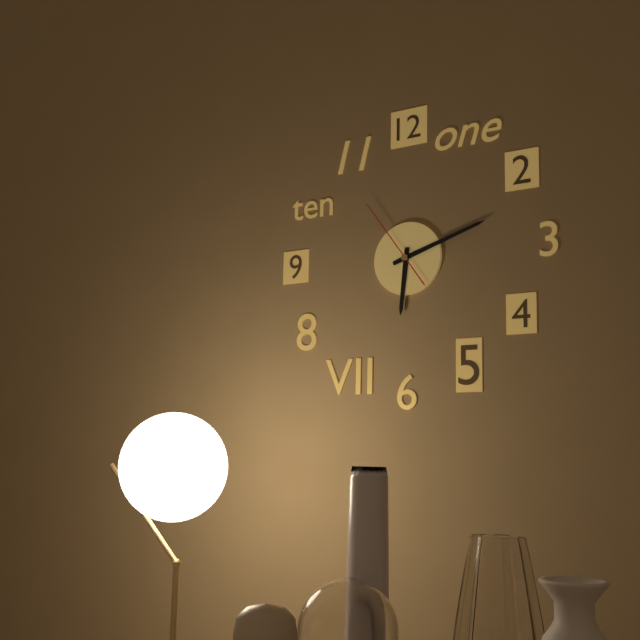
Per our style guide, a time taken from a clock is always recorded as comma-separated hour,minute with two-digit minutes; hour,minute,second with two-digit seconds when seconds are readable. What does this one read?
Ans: 6,12,54
